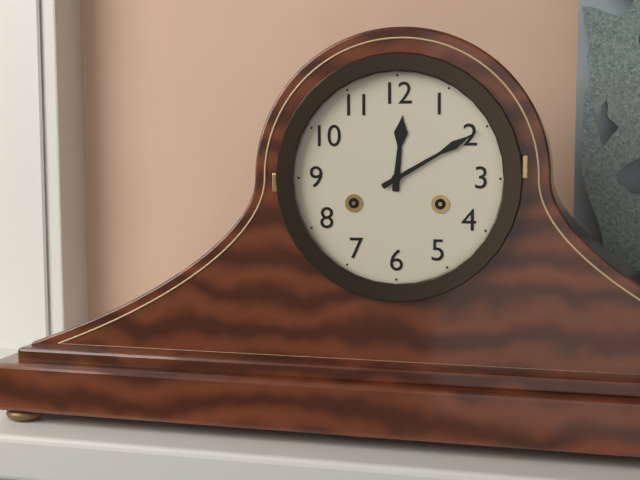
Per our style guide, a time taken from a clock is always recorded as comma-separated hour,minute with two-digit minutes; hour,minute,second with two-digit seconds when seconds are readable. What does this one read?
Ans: 12,10
